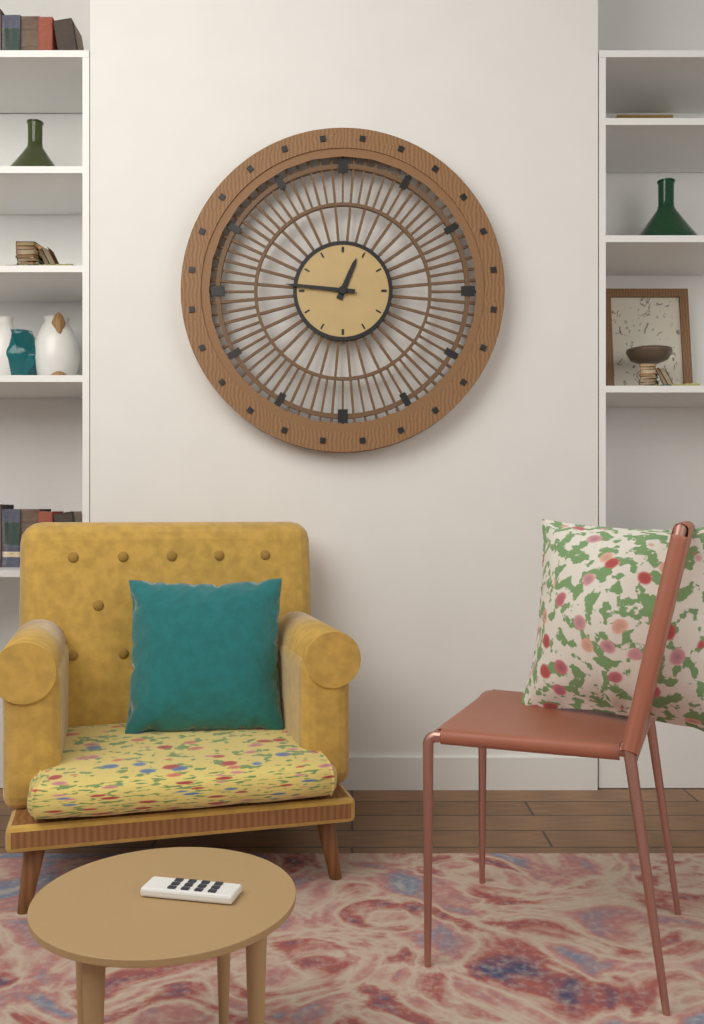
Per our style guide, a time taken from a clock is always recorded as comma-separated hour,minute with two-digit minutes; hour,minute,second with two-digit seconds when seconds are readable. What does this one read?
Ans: 12,46
